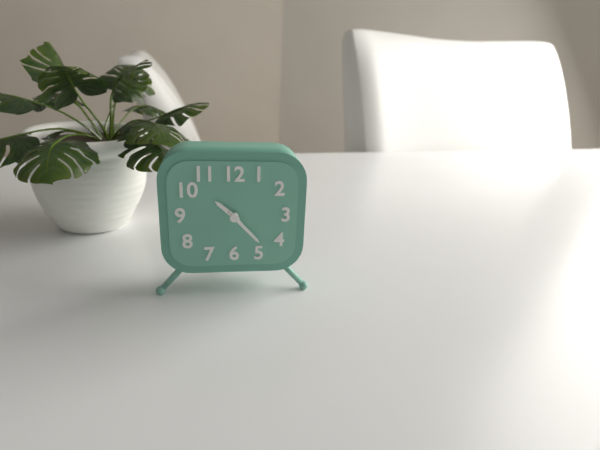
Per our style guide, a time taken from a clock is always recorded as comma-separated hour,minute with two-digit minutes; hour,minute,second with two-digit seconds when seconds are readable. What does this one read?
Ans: 10,23
